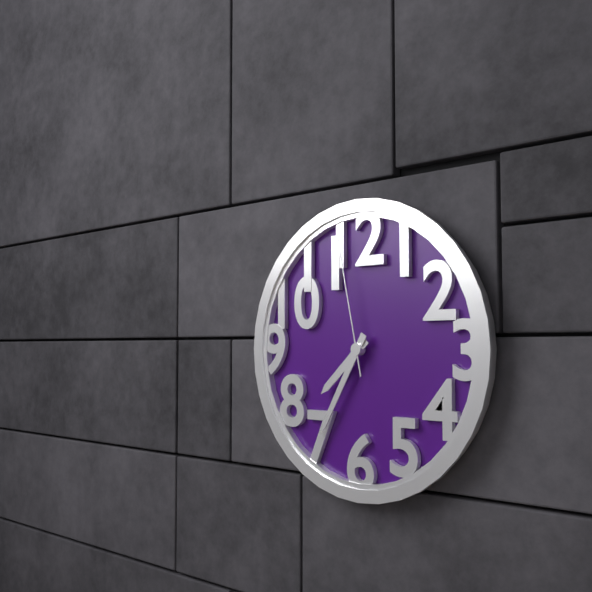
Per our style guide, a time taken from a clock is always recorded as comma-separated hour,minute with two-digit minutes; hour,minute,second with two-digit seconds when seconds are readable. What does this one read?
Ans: 7,35,58
